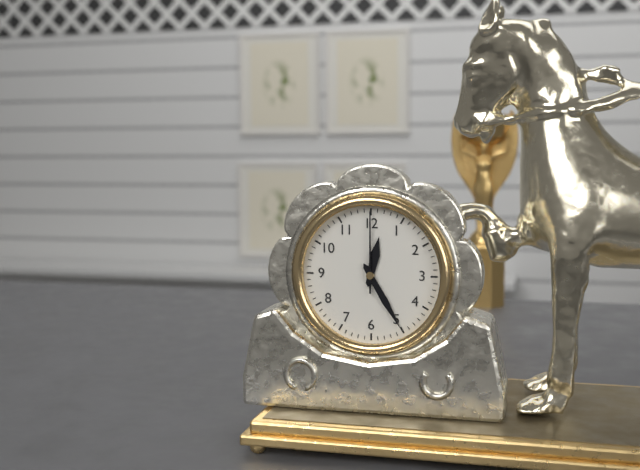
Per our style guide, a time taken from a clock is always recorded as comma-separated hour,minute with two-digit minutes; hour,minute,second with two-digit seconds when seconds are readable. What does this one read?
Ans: 12,25,00
